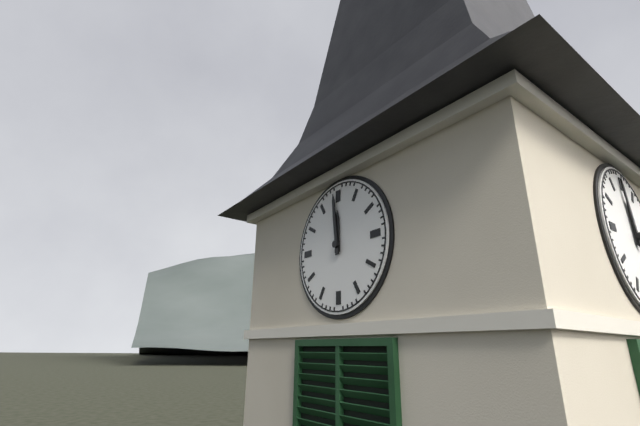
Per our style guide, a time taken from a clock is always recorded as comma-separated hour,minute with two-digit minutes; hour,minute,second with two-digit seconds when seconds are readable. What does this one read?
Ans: 11,59
